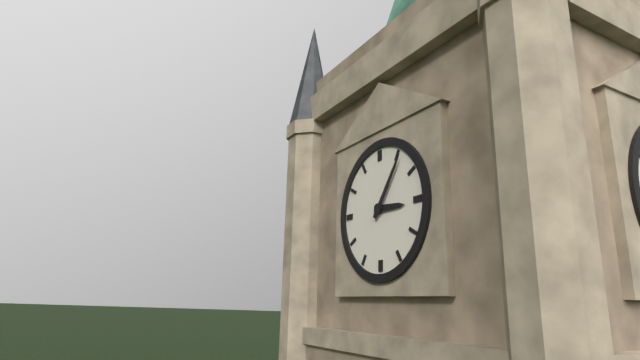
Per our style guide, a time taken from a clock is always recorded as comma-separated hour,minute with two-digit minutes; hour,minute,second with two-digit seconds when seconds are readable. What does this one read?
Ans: 3,06
